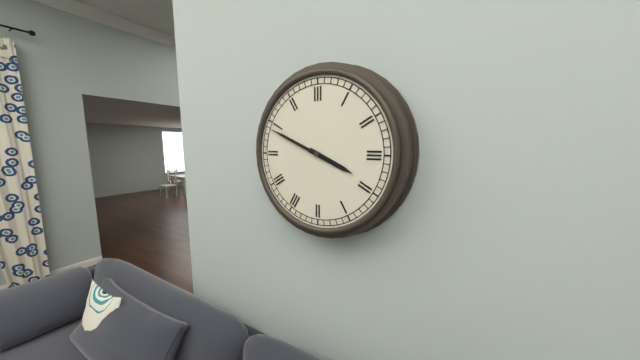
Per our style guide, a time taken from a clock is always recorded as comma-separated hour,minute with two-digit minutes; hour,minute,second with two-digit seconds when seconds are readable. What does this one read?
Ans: 3,49
